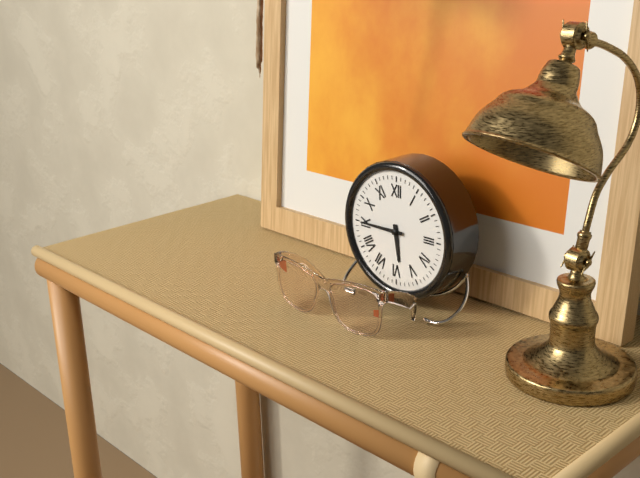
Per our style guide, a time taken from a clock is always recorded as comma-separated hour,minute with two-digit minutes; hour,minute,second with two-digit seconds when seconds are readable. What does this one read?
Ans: 5,45
